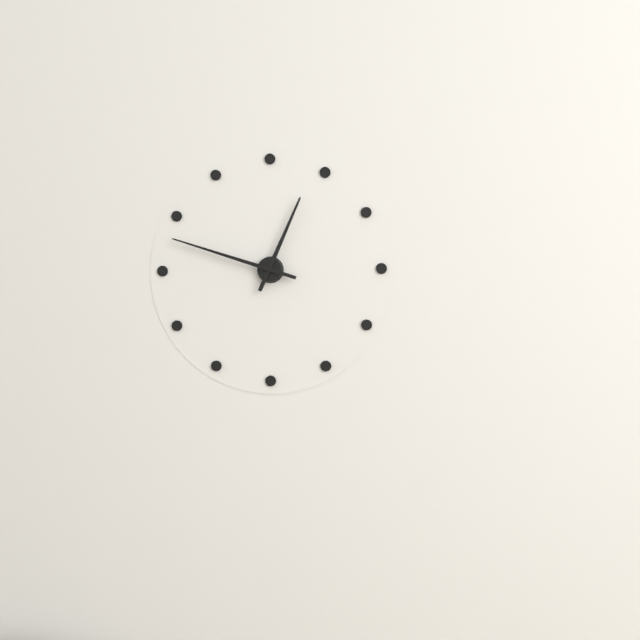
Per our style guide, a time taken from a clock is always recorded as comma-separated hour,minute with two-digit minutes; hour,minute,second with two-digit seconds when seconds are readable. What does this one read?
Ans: 12,48
